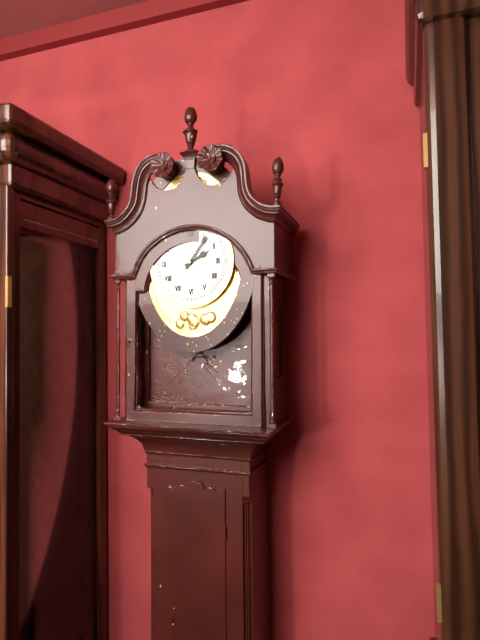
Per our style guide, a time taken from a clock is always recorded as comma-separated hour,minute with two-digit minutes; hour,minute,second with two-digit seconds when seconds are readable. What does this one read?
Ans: 2,06
